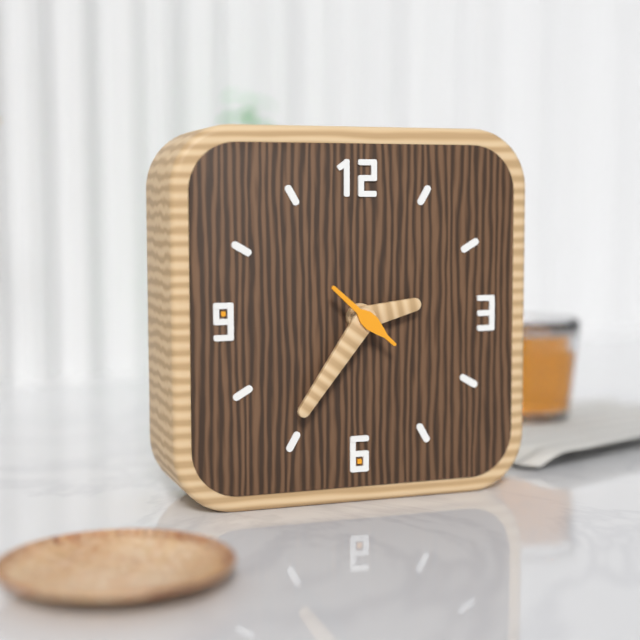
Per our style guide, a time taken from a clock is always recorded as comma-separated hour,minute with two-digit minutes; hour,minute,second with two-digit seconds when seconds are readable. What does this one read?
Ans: 2,36,52
